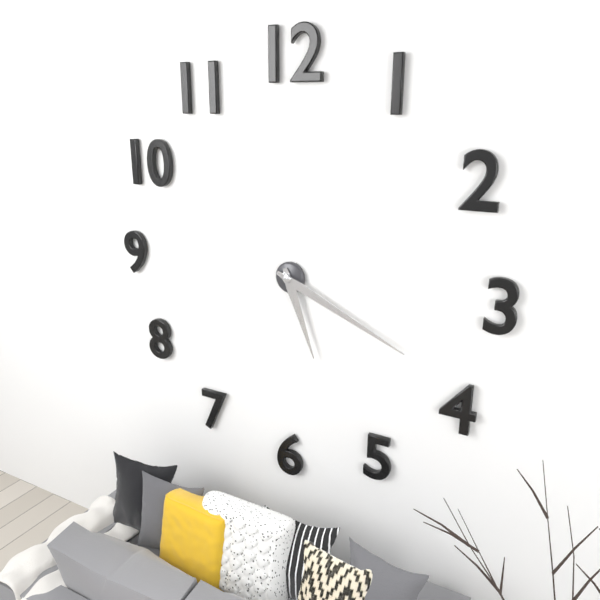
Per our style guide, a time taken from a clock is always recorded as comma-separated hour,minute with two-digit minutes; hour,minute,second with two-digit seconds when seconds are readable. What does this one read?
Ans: 5,19
